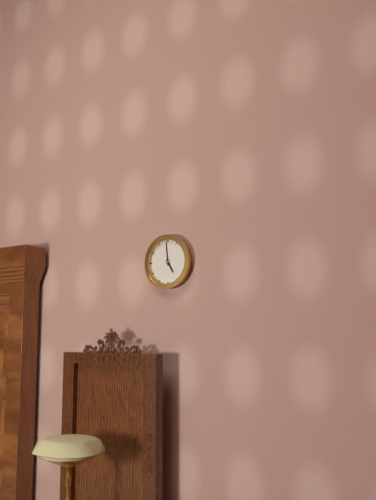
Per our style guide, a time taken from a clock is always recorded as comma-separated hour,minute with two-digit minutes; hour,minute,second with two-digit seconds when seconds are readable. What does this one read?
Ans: 4,59
